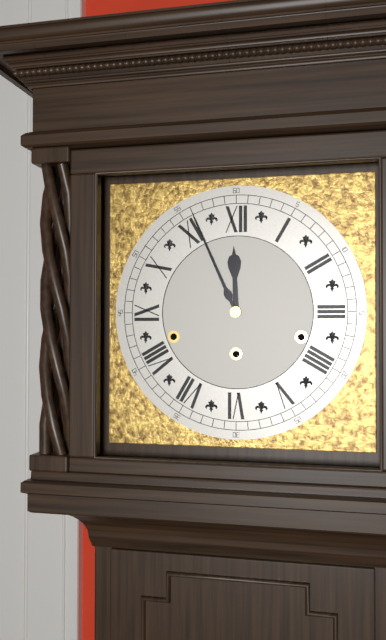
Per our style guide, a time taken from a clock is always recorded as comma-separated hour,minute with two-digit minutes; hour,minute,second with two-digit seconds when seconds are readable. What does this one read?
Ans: 11,56
